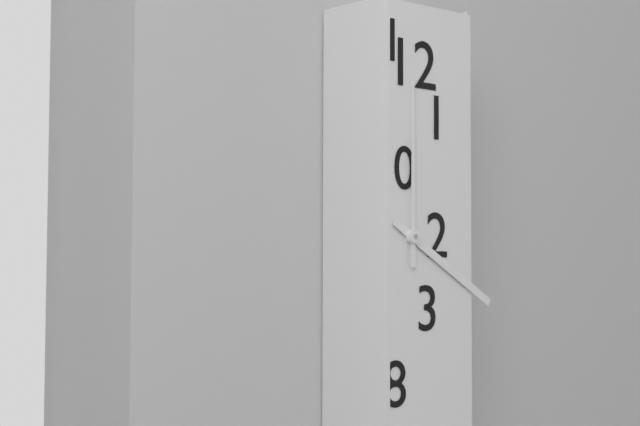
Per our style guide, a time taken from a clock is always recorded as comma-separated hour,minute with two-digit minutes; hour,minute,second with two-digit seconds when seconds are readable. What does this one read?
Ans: 4,00
